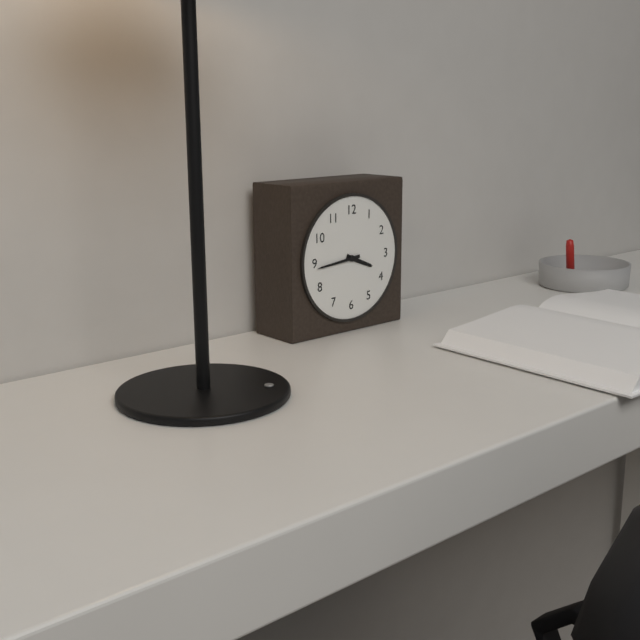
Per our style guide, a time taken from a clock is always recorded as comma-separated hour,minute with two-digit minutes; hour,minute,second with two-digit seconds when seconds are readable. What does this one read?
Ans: 3,44
